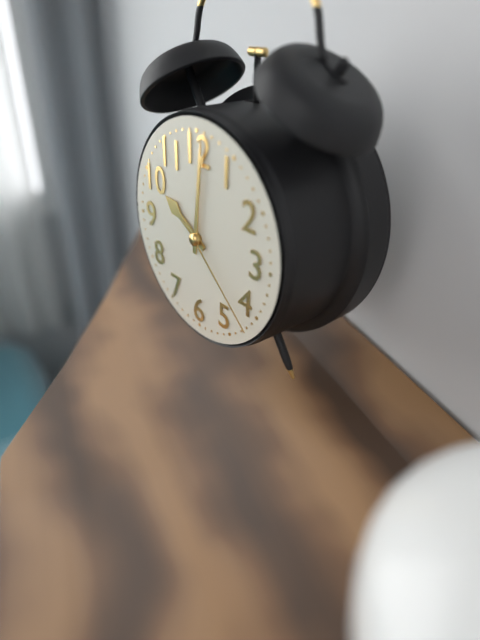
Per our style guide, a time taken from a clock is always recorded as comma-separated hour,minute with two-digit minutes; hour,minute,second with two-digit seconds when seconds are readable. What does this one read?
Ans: 10,01,22
